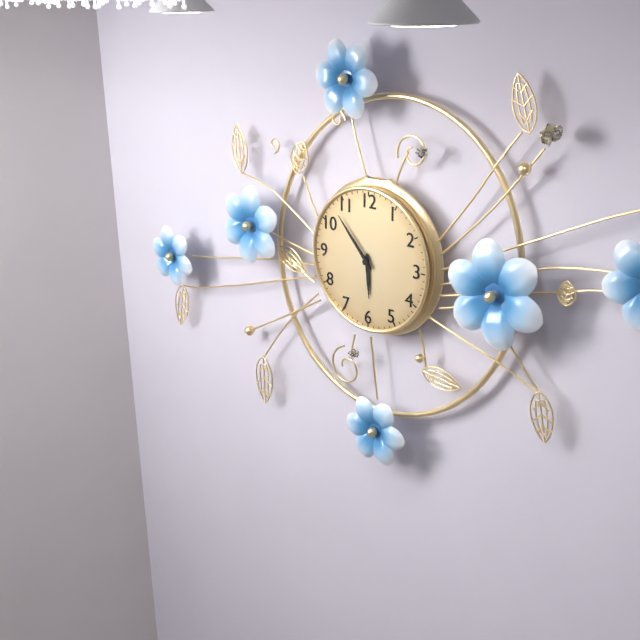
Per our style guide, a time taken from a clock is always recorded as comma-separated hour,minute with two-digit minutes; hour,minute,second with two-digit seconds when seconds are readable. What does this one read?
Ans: 5,53
